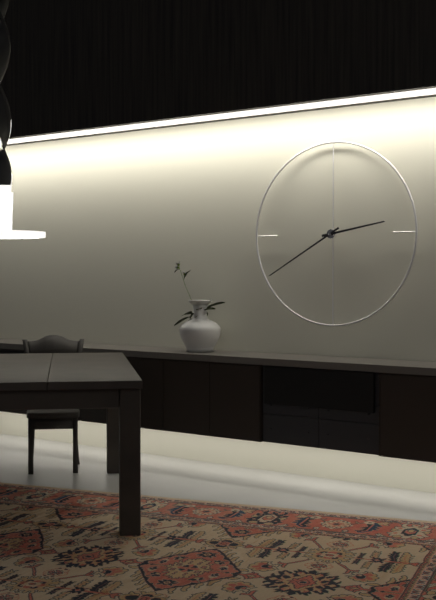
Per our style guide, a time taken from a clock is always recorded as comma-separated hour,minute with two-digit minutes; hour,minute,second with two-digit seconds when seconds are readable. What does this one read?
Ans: 2,40
